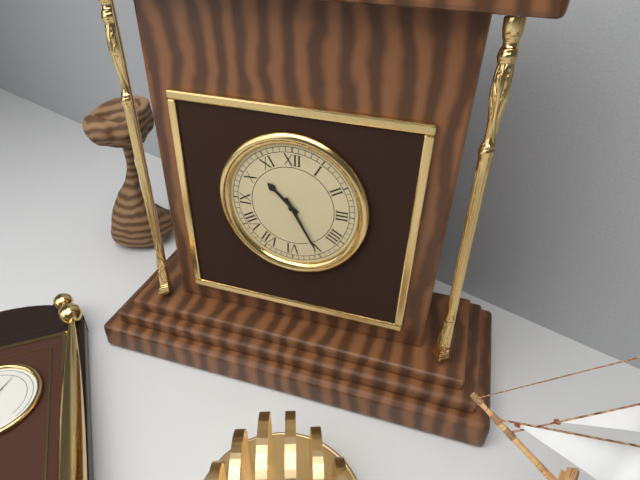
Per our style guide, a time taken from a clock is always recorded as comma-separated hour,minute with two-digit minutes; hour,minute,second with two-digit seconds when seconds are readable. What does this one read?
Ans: 10,25
